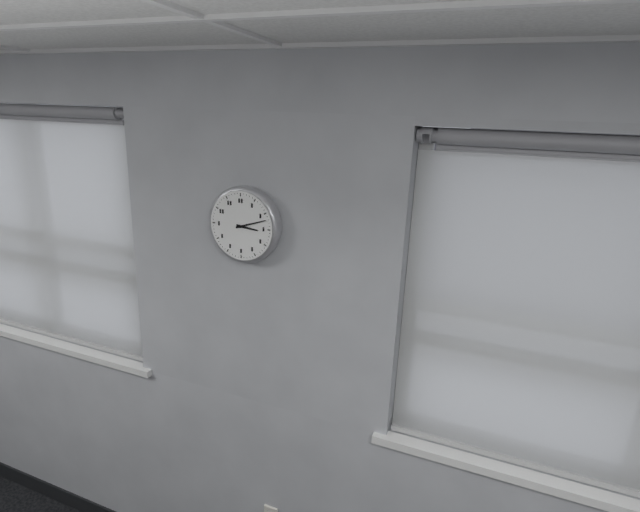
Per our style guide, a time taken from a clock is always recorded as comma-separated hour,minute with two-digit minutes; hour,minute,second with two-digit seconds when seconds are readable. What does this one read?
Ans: 3,12
